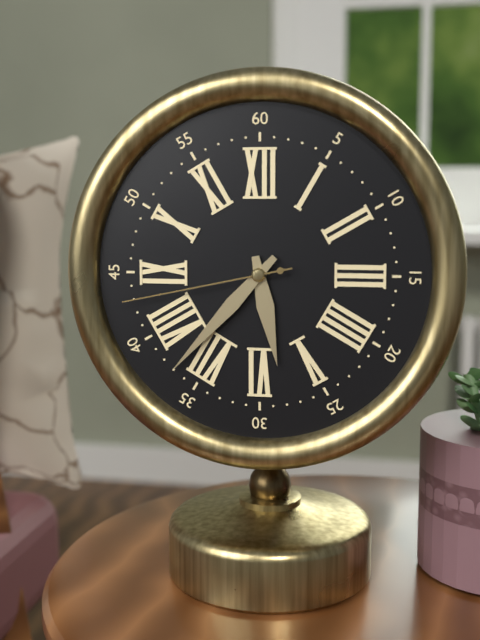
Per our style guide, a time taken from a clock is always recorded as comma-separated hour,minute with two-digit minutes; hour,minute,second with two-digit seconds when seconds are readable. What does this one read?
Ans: 5,37,43
